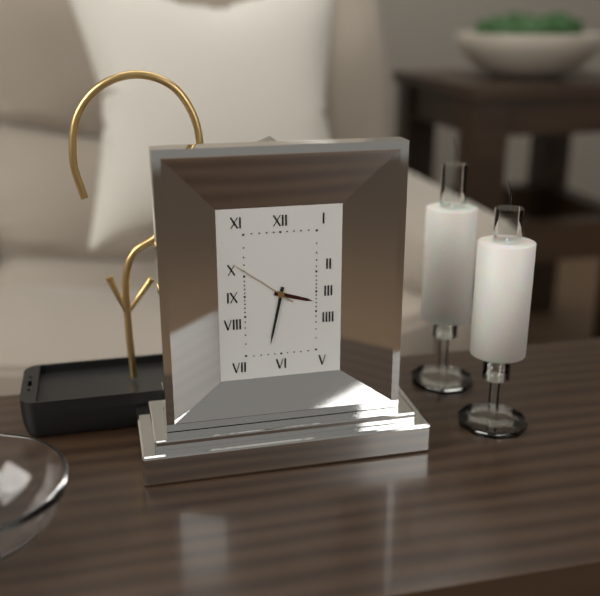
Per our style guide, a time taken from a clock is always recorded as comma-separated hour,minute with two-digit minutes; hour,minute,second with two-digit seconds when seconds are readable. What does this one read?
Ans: 3,32,51
